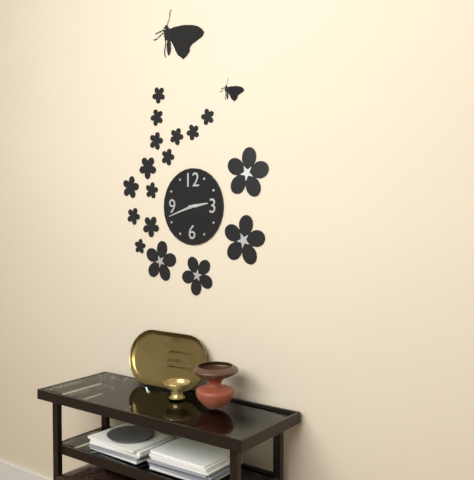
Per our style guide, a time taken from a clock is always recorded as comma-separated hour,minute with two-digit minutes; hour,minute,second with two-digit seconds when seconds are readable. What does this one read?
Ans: 2,42
